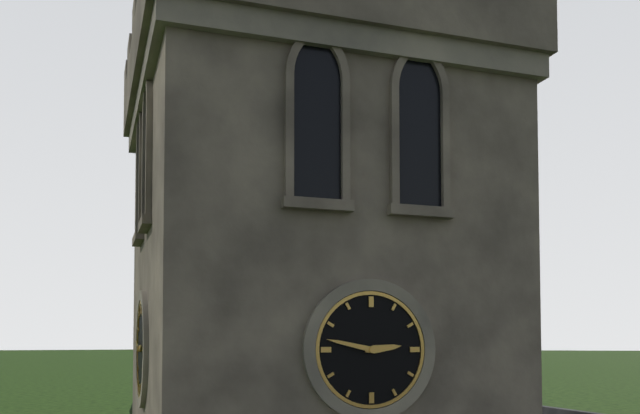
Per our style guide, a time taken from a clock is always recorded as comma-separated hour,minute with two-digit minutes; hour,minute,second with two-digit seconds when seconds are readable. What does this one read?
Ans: 2,47
